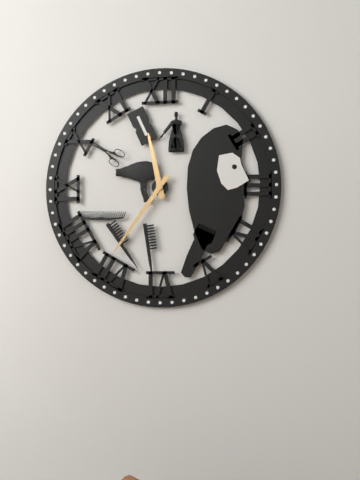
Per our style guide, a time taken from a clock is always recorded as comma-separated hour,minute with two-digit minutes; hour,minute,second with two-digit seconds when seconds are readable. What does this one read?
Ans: 11,36
